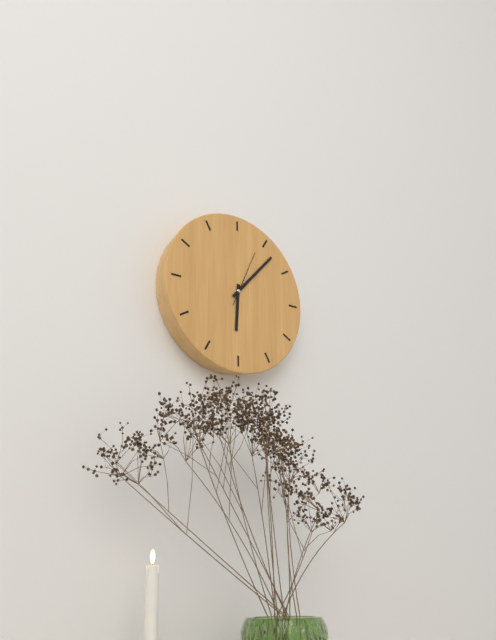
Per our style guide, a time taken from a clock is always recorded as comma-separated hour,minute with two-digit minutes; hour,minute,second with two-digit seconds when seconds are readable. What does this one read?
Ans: 6,07,04
